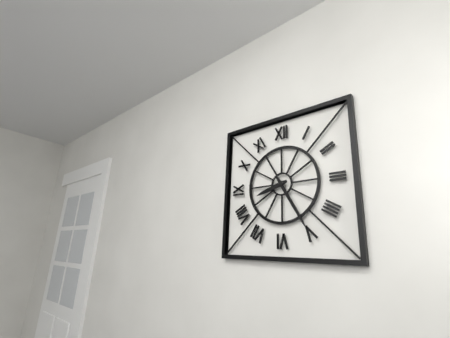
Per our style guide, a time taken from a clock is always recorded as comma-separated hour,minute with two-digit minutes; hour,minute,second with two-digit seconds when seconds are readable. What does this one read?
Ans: 8,25
